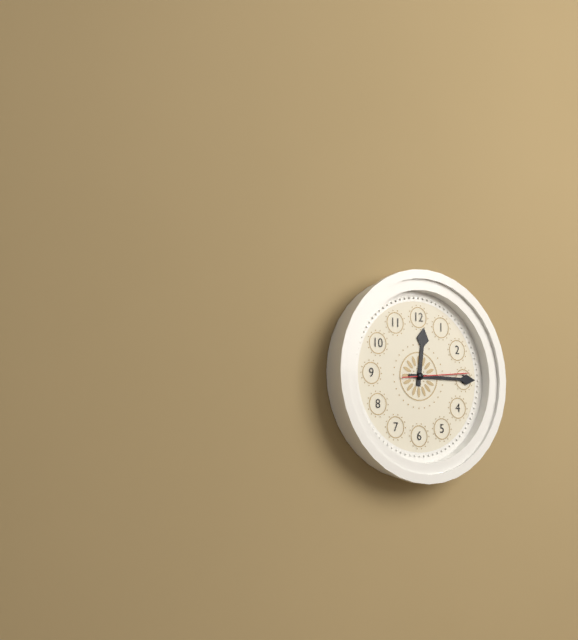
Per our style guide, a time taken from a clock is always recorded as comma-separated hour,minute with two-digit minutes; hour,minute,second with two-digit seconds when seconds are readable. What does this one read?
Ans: 12,15,14
